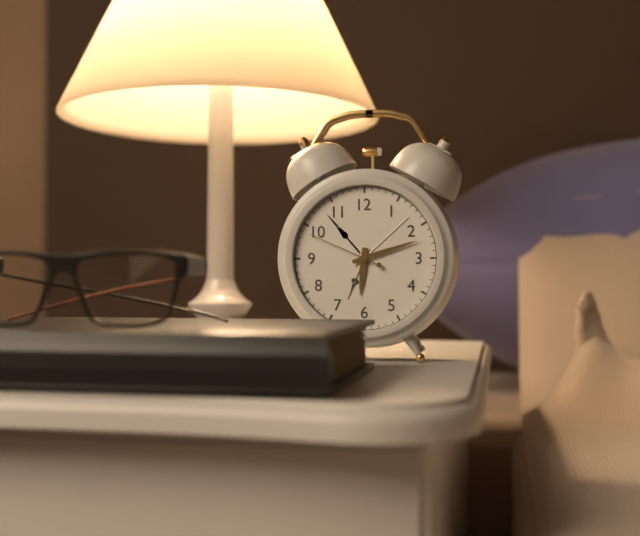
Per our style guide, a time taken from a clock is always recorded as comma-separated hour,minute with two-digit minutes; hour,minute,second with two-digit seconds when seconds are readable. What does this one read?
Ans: 6,12,49
